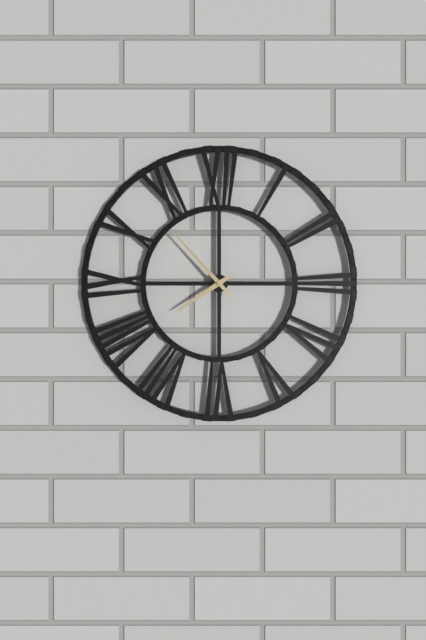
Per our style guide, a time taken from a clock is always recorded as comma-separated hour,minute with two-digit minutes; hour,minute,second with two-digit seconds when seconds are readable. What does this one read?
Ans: 7,53
